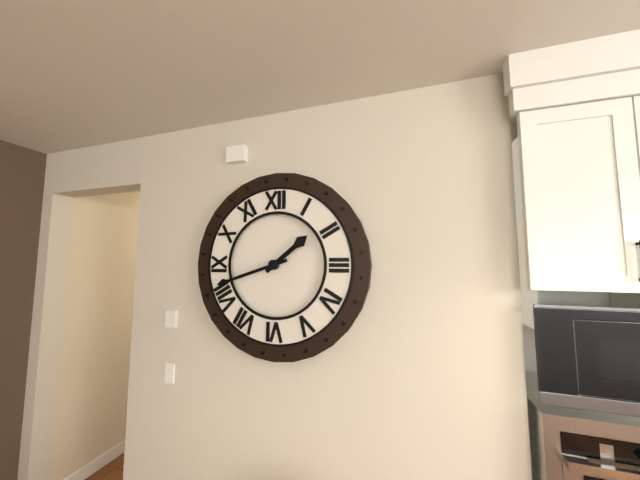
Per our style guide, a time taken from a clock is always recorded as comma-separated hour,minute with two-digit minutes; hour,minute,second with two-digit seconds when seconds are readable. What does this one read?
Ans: 1,42
